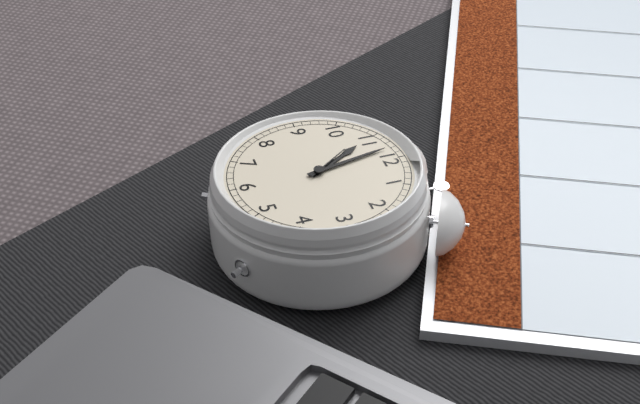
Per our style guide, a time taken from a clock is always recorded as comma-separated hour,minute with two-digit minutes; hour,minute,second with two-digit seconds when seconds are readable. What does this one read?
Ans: 10,58
